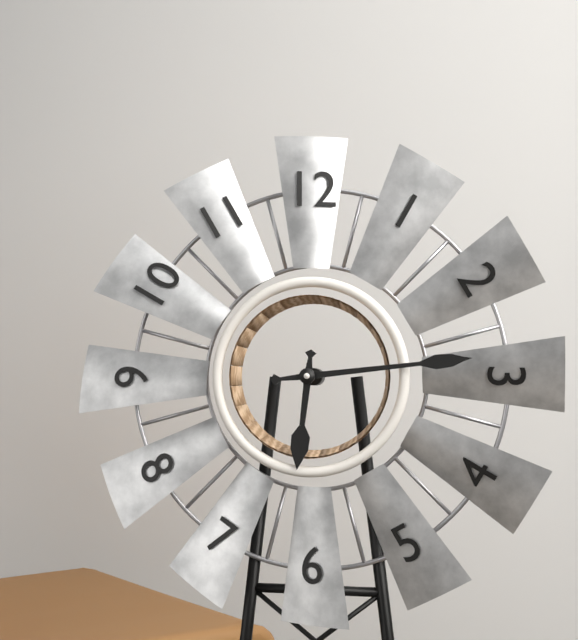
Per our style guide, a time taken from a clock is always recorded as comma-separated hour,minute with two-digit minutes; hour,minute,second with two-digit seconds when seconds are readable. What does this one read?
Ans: 6,14
